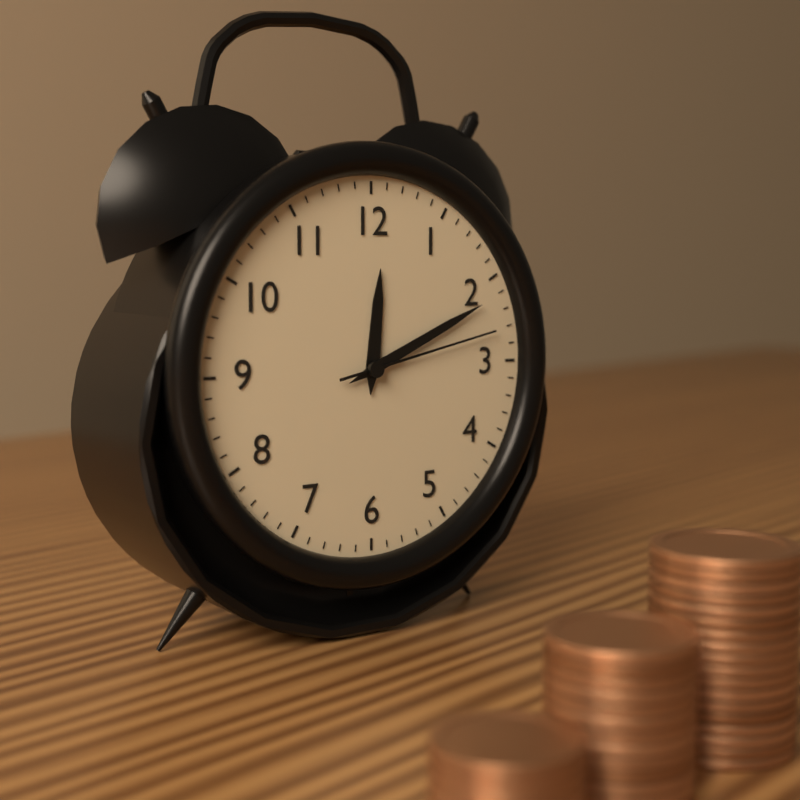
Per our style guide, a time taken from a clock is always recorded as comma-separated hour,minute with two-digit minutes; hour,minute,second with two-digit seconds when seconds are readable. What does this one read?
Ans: 12,11,13
